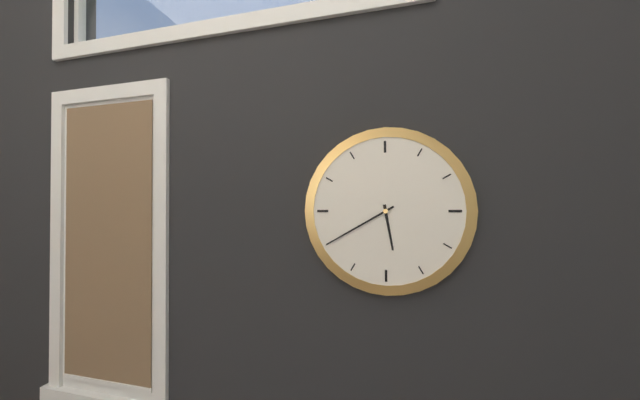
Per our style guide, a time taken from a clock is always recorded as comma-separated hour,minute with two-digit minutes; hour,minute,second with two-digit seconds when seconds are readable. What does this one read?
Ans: 5,40
